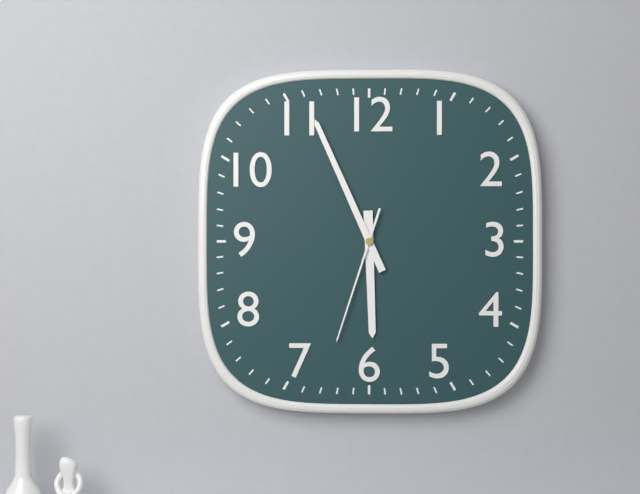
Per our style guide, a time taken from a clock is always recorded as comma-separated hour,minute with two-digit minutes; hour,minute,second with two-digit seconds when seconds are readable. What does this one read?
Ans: 5,56,33
